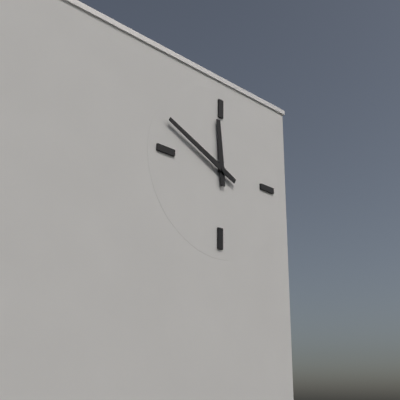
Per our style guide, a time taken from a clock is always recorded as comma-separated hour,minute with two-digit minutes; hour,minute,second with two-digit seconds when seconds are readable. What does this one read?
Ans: 11,49
